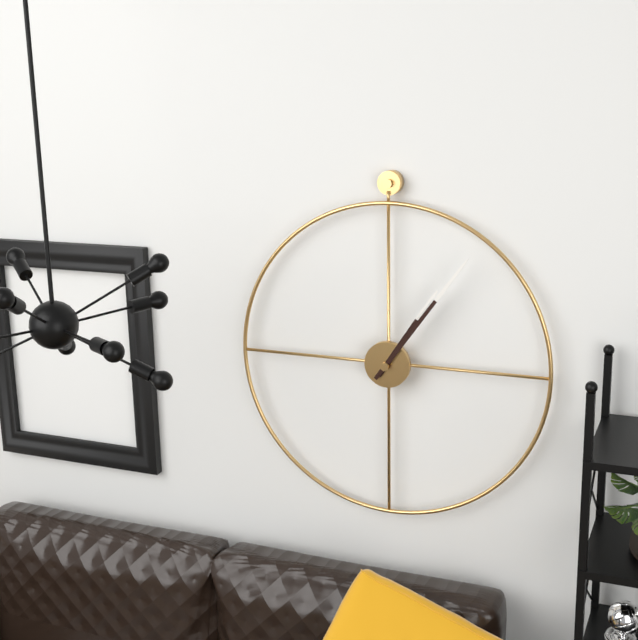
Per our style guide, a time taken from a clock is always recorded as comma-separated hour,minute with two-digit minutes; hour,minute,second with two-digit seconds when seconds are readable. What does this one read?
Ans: 1,06
